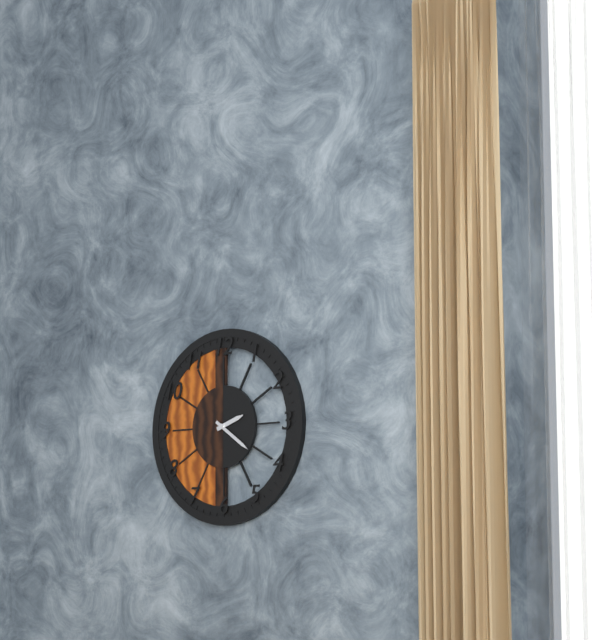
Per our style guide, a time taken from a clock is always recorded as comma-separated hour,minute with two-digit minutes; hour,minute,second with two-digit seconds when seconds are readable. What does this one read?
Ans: 2,21
